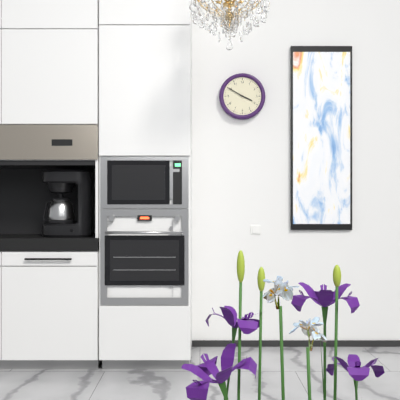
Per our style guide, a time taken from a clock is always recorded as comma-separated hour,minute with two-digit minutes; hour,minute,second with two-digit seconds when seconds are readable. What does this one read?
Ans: 3,50
